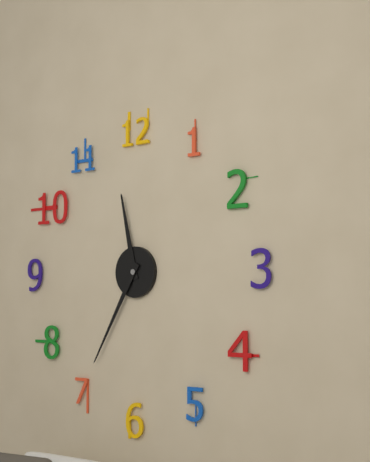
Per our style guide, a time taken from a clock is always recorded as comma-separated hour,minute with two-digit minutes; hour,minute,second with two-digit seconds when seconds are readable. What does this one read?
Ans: 11,35
